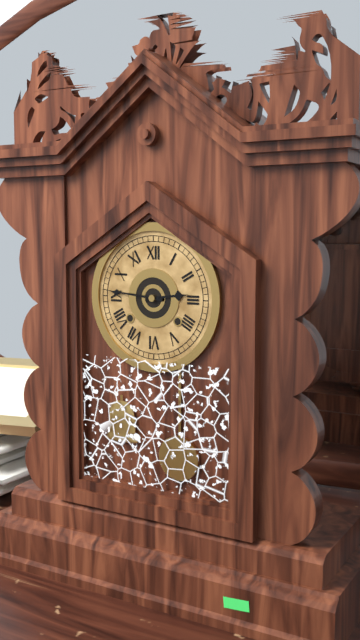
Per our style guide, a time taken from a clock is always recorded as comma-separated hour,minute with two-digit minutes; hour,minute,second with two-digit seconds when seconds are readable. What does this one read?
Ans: 2,46
